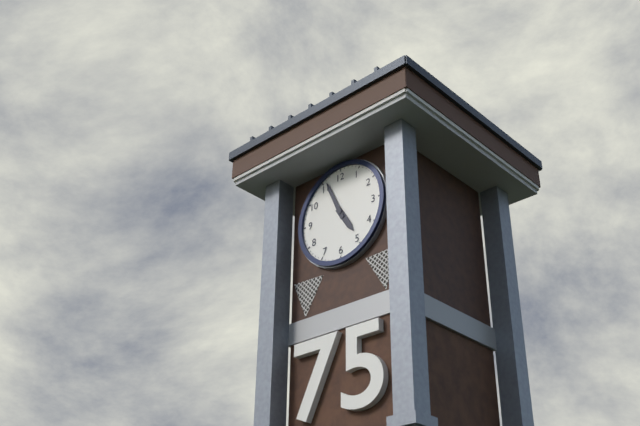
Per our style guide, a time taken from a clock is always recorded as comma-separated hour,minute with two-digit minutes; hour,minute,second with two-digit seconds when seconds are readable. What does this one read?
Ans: 4,56
